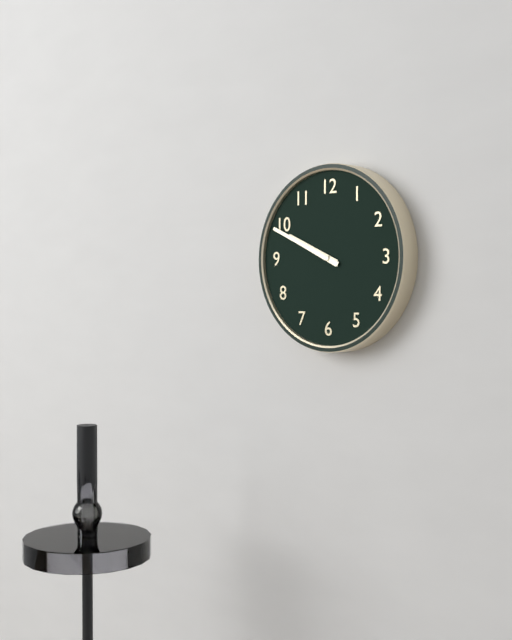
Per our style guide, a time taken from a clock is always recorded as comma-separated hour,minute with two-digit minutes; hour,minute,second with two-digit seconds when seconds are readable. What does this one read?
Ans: 9,49
